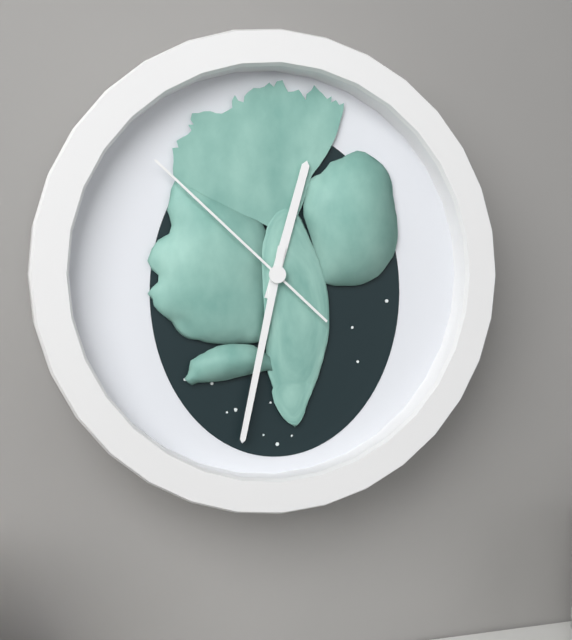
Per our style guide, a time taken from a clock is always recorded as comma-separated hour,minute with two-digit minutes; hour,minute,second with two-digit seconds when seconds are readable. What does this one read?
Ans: 12,32,52
